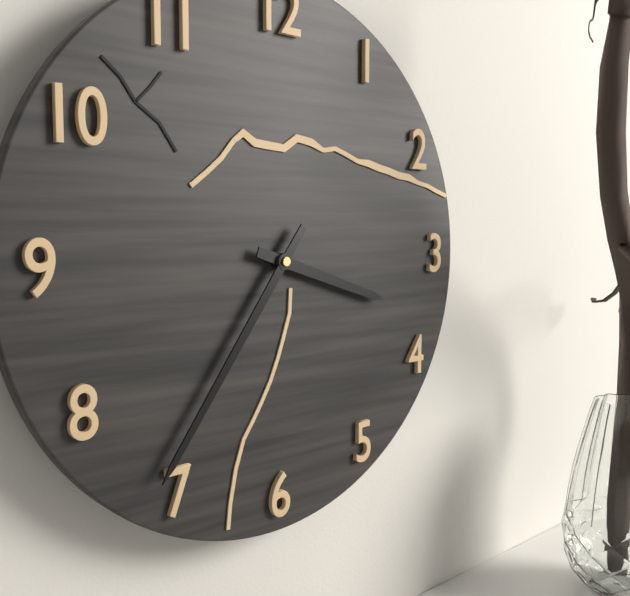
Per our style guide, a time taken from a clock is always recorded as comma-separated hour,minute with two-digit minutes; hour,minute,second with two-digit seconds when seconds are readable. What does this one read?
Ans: 3,36
